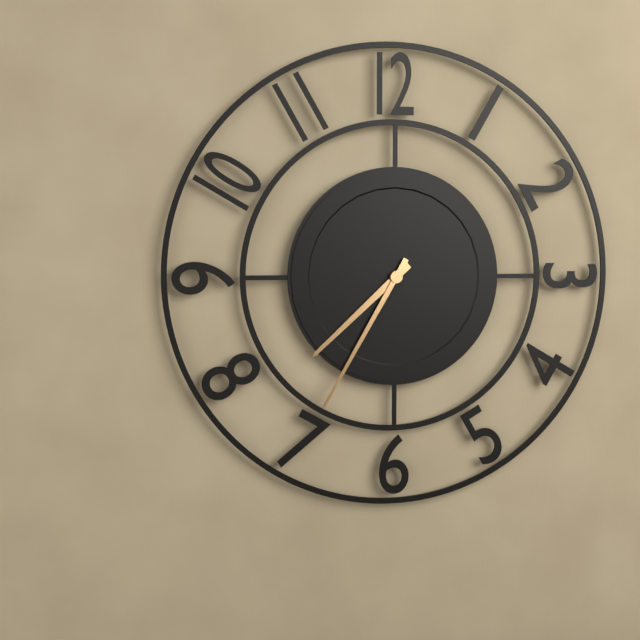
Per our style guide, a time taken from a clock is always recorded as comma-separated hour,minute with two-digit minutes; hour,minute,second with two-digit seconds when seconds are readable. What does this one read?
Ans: 7,35
